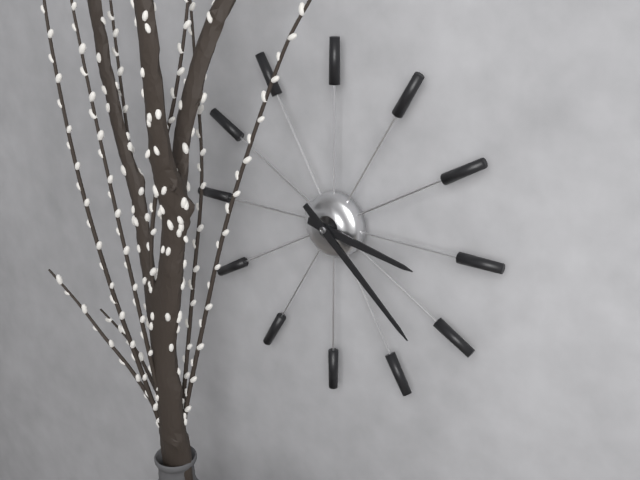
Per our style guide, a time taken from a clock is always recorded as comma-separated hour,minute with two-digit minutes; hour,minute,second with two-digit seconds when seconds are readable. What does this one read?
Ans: 3,22
